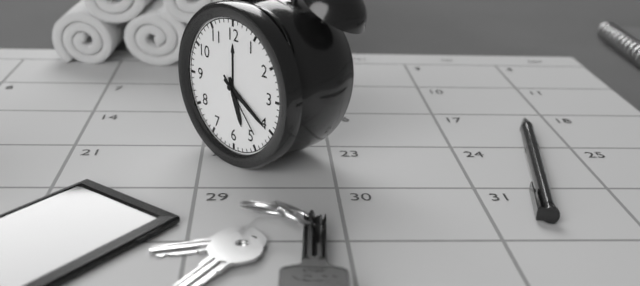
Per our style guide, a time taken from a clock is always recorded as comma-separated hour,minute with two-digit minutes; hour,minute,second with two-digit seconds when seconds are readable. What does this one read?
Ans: 5,20,23
